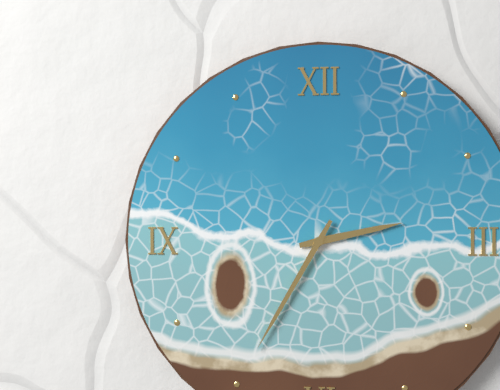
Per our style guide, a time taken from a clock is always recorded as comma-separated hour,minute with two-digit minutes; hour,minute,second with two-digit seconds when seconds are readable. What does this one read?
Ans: 2,35
